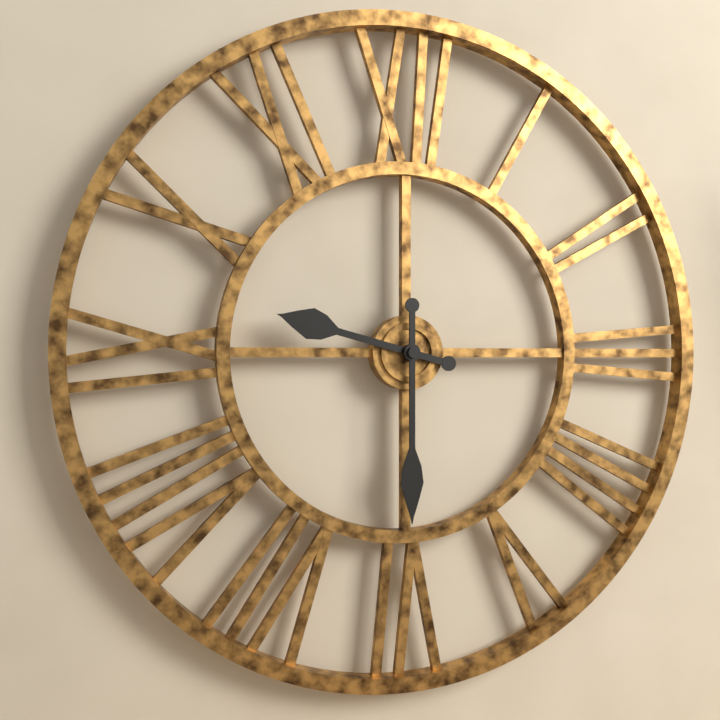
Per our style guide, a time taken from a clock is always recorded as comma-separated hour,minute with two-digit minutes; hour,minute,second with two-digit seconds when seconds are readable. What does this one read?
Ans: 9,30
